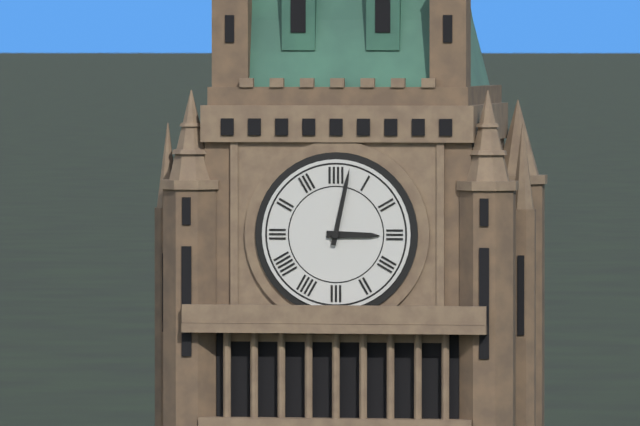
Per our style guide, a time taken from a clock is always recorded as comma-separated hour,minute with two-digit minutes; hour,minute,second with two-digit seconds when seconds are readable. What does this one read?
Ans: 3,02
